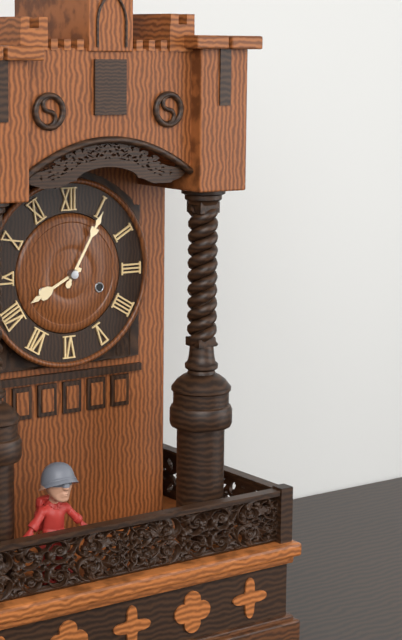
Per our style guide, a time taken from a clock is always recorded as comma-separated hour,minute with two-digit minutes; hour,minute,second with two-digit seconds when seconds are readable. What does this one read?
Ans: 8,05
